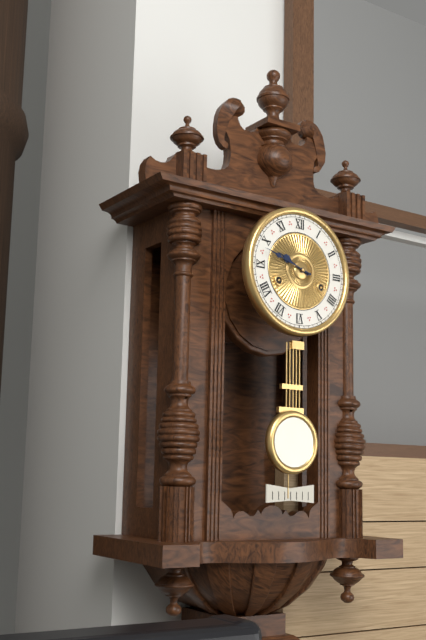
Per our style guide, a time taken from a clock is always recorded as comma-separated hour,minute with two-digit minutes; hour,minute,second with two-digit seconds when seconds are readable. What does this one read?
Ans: 9,48
